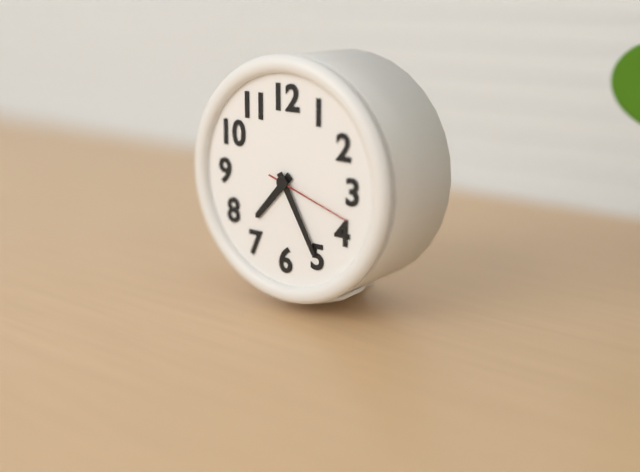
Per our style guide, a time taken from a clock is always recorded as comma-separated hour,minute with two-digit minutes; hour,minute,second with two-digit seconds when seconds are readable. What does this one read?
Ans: 7,25,18
